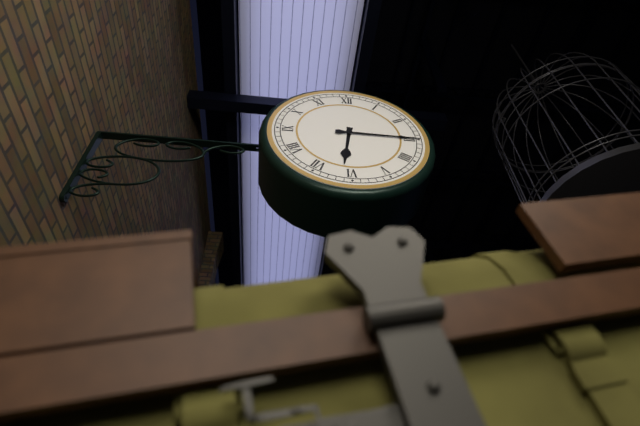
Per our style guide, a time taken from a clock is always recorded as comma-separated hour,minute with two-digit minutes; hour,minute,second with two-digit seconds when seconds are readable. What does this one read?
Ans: 6,15
